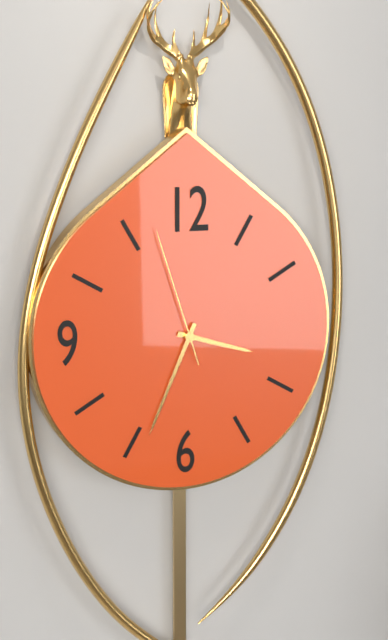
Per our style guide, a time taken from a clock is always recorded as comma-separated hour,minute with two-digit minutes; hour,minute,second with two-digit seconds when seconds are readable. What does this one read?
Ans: 3,34,57
